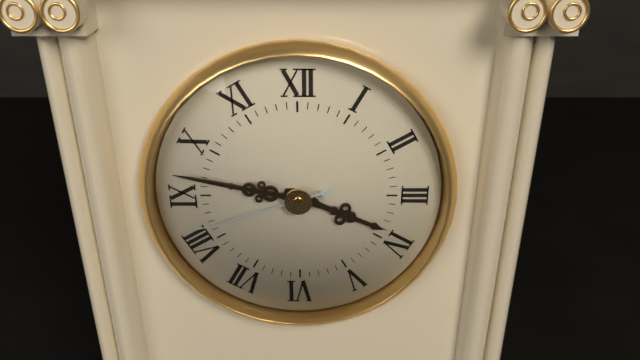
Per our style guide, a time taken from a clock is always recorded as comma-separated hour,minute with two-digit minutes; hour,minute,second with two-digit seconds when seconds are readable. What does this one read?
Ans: 3,47,42
